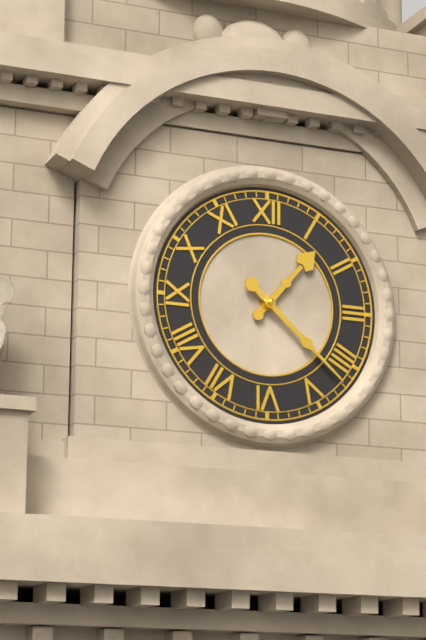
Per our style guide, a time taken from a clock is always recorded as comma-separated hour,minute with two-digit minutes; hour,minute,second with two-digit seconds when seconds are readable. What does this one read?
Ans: 1,22
